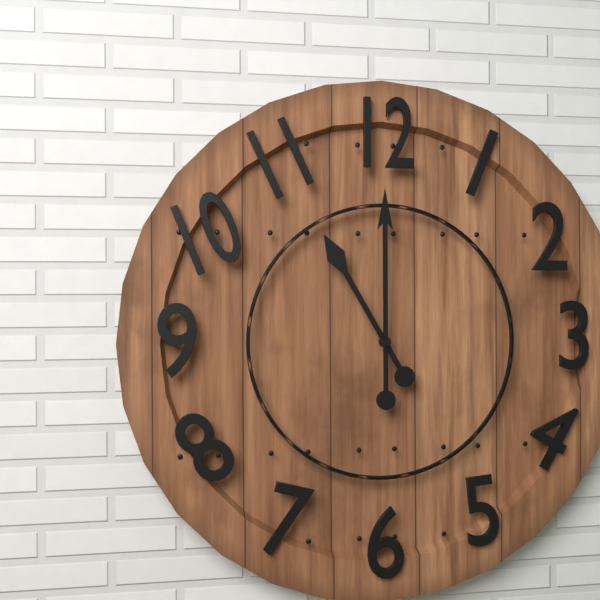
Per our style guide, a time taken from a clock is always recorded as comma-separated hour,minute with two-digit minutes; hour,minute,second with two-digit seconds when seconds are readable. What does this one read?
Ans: 11,00
